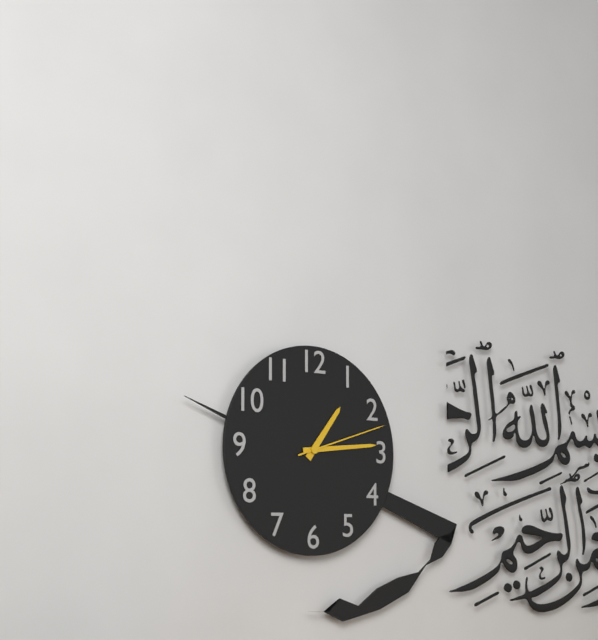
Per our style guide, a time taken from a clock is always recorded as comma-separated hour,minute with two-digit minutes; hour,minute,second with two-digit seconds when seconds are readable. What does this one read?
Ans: 1,14,12
